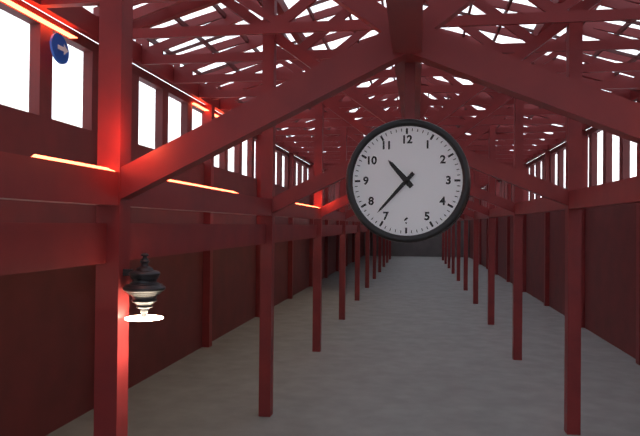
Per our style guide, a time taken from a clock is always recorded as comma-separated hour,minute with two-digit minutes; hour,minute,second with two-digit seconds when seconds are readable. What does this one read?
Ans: 10,37
